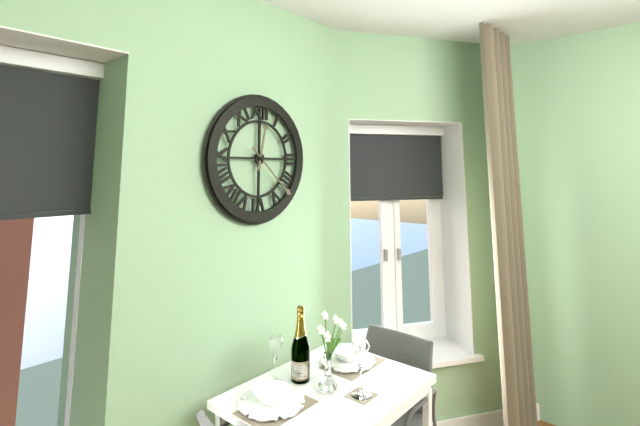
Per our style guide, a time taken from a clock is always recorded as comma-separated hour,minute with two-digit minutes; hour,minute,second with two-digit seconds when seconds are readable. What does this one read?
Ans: 12,22
